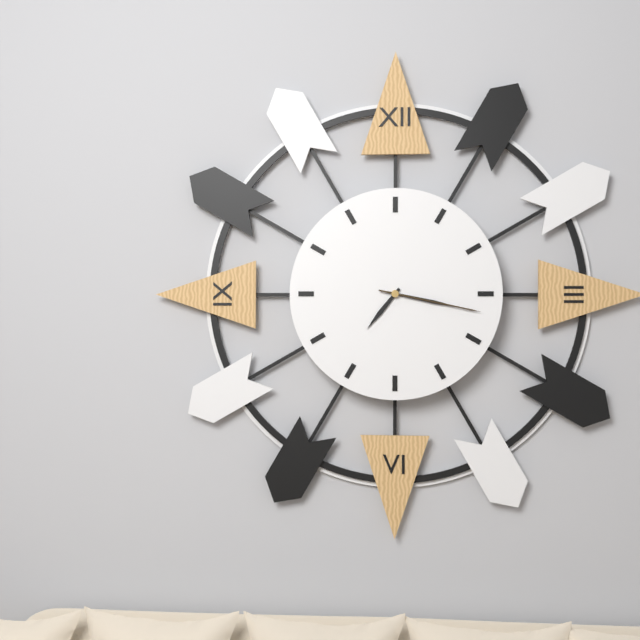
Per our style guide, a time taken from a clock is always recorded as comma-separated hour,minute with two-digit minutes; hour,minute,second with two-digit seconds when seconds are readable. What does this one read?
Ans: 7,17,17
